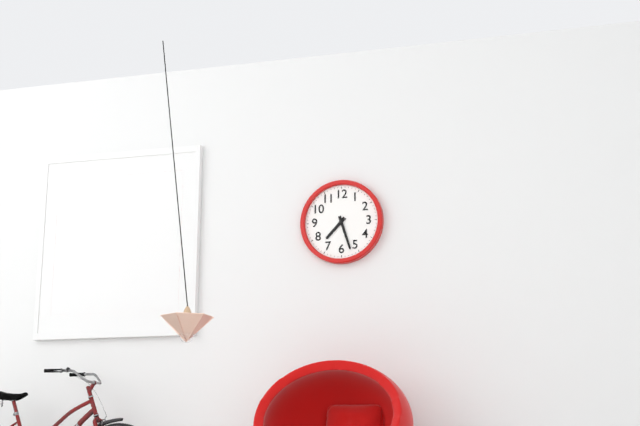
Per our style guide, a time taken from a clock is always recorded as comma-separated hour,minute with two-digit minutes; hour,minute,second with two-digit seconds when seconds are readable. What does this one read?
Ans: 7,27
